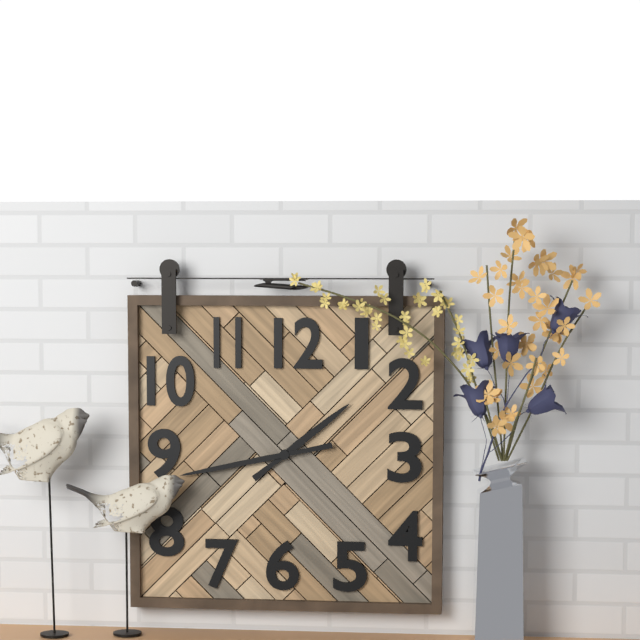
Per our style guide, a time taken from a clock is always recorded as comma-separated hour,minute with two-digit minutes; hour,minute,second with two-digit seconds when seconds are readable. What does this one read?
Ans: 1,43
